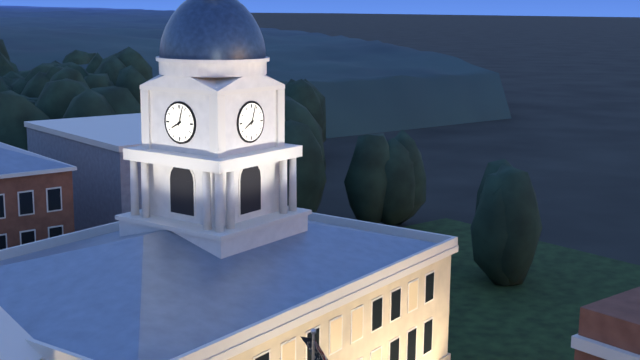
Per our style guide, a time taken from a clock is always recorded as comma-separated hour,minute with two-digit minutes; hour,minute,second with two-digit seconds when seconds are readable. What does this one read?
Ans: 8,03
